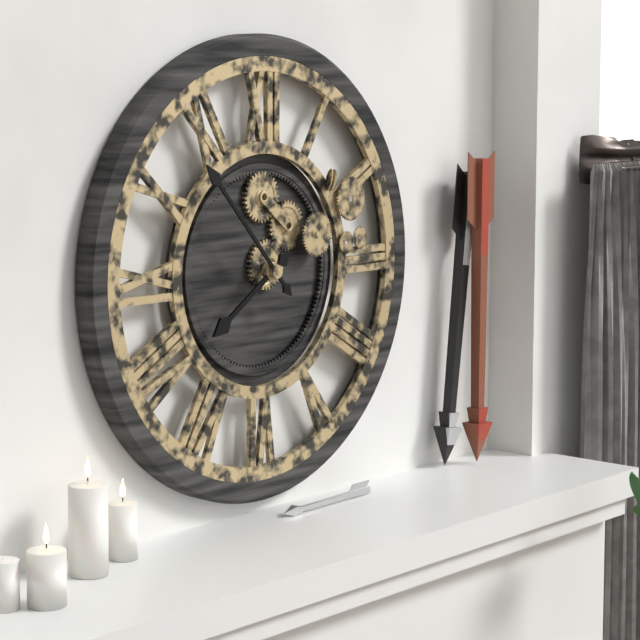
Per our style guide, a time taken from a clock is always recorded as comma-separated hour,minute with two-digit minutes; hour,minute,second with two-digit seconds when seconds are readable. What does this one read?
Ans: 7,53
